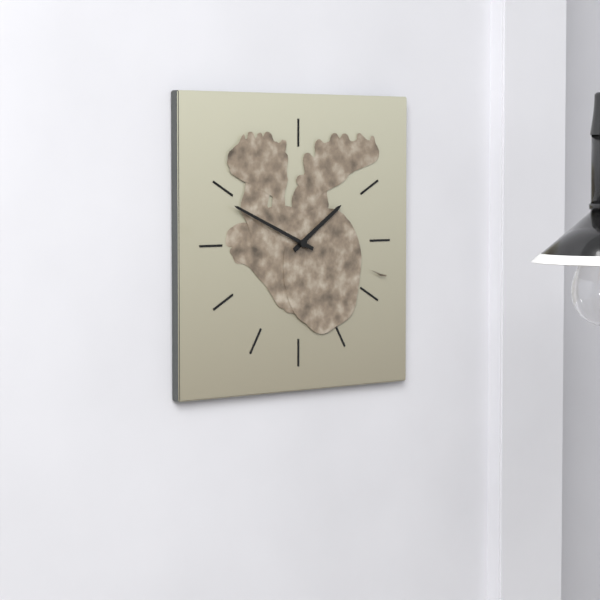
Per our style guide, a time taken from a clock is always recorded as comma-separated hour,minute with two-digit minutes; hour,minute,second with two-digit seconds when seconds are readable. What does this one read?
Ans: 1,49
